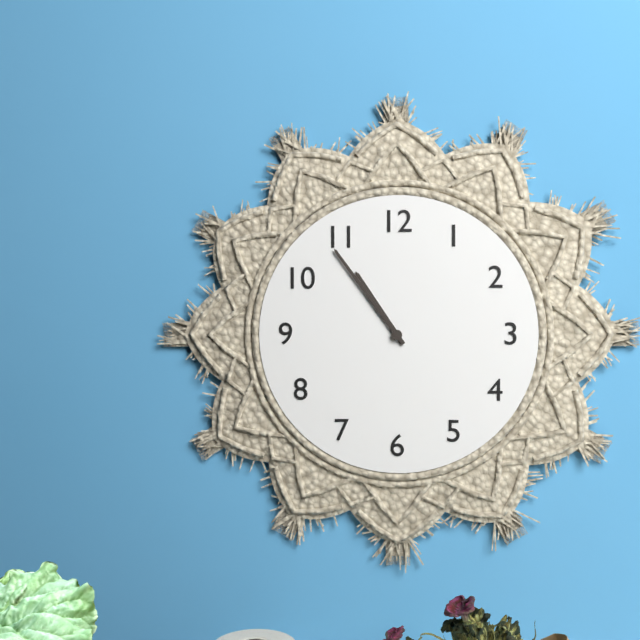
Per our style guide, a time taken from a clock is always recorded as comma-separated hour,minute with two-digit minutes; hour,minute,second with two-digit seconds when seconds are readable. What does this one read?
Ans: 10,54
